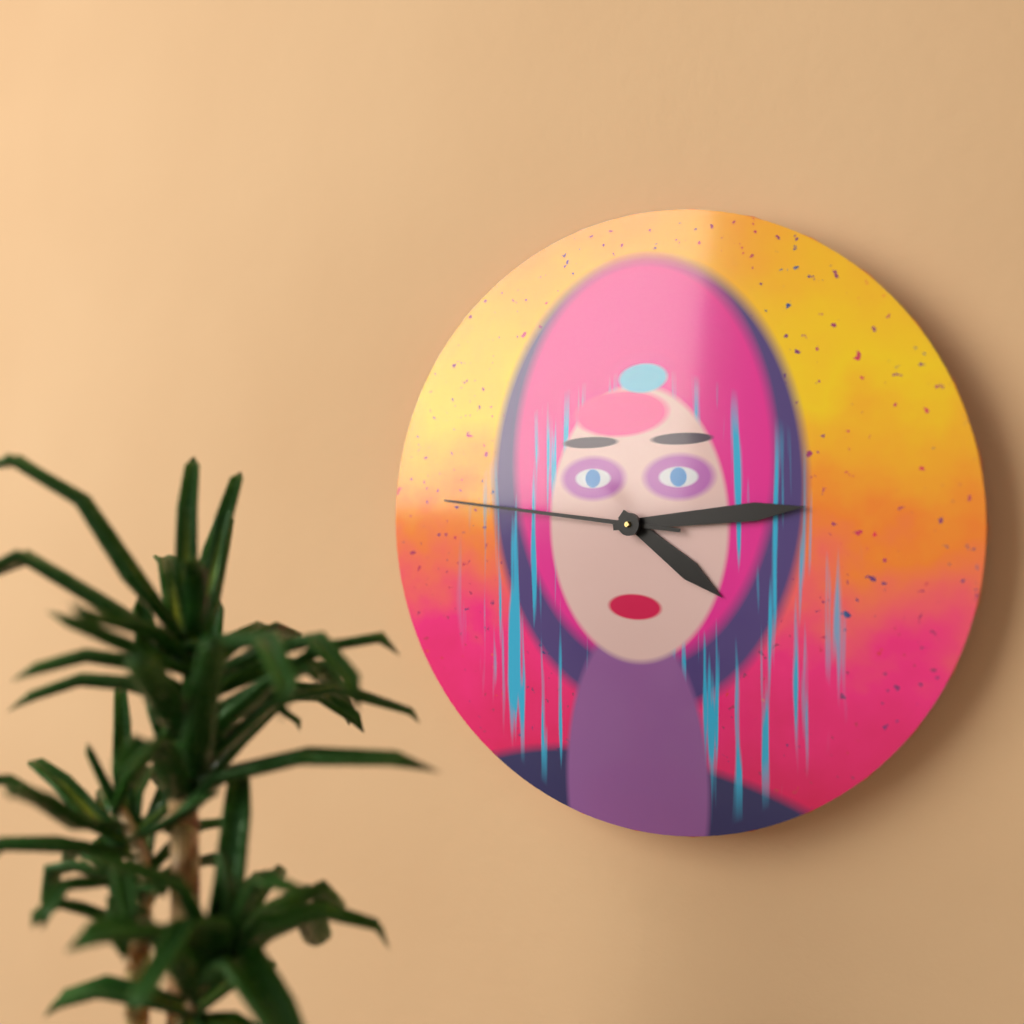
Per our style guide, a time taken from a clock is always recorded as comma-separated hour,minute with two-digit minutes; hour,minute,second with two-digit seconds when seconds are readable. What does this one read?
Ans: 4,14,46
